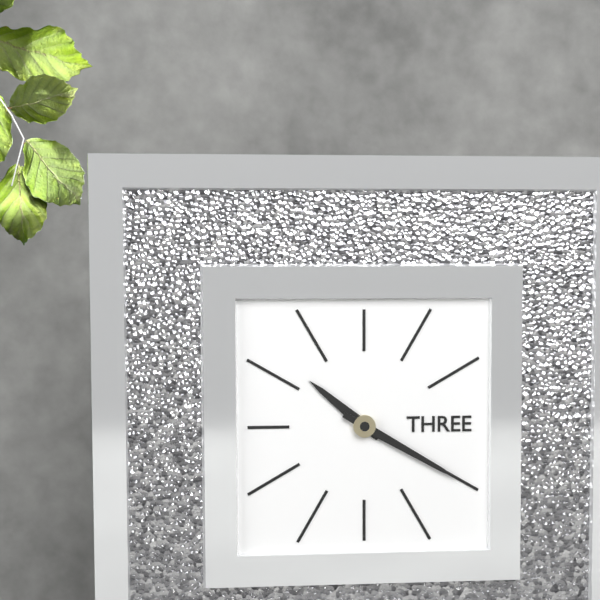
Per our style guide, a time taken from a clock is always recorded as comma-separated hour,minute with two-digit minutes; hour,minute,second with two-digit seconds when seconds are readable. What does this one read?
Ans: 10,20
